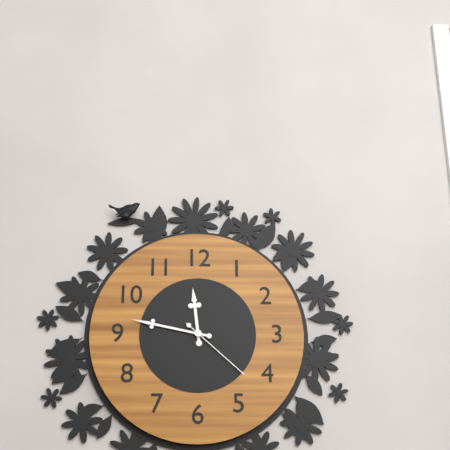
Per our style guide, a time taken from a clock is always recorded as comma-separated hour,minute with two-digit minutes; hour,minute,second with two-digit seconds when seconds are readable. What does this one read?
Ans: 11,47,22
